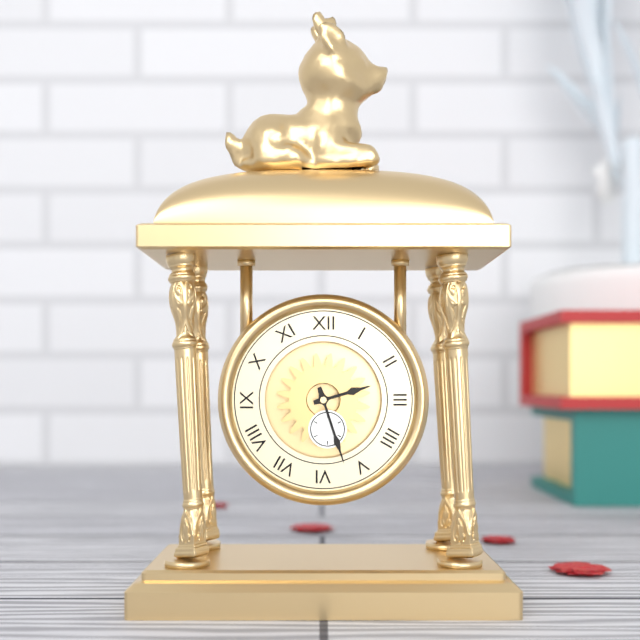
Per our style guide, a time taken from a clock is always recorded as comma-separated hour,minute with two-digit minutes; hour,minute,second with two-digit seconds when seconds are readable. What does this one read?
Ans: 2,27
